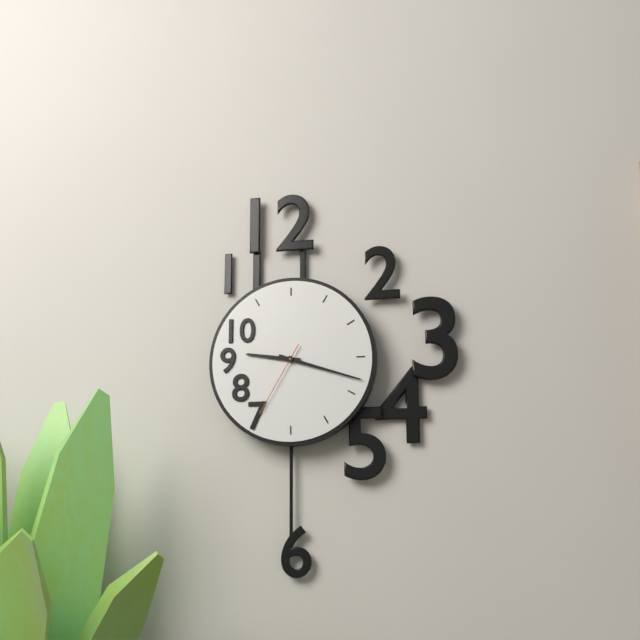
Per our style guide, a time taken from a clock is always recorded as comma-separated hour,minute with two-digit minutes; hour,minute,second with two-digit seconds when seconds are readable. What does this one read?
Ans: 9,18,35
